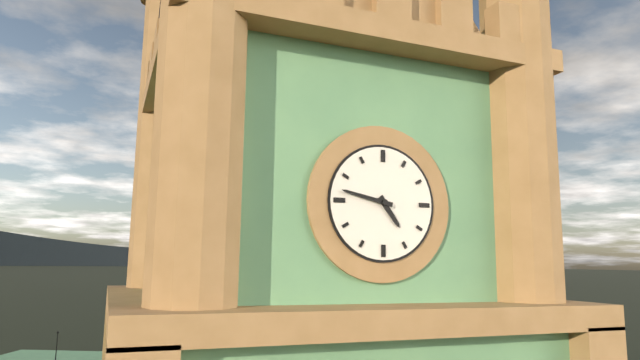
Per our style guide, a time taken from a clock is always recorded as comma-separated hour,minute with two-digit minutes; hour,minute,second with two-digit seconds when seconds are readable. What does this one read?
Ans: 4,47
